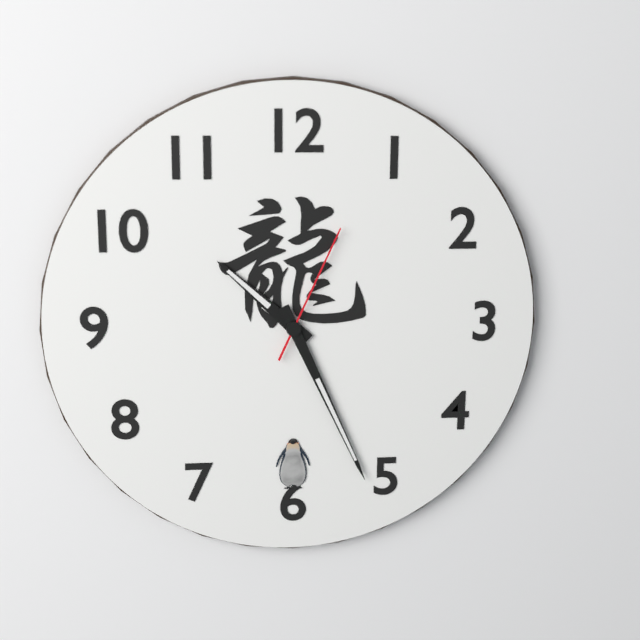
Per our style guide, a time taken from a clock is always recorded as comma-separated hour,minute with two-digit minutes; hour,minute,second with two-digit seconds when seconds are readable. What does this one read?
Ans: 10,26,04
